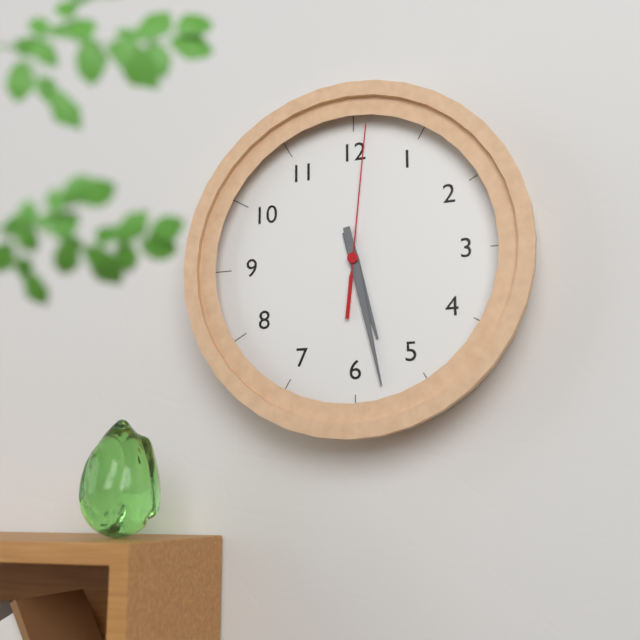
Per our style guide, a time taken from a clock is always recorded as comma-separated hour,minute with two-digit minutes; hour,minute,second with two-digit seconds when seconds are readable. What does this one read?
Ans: 5,28,01
